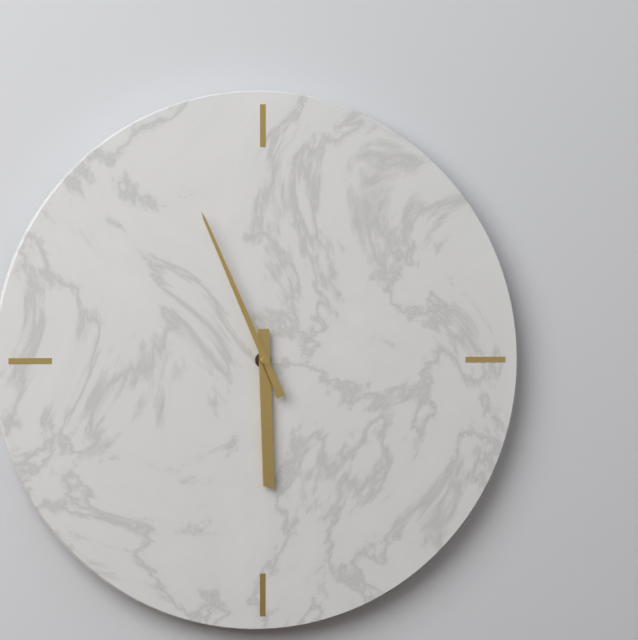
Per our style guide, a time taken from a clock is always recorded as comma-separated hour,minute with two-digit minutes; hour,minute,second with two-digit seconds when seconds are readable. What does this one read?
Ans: 5,56
